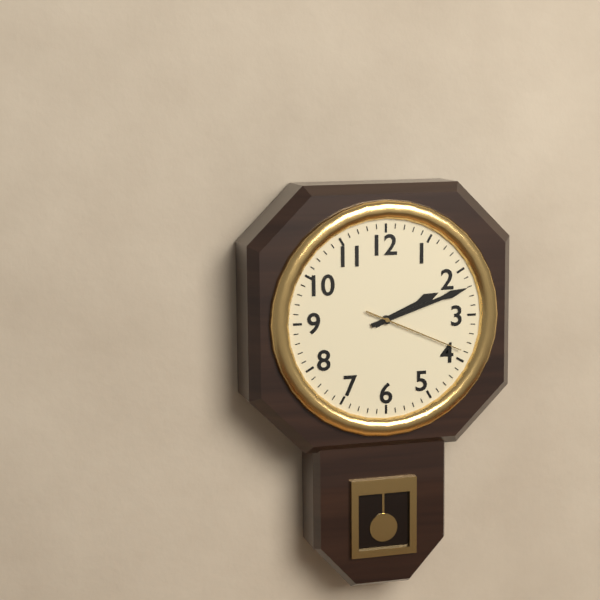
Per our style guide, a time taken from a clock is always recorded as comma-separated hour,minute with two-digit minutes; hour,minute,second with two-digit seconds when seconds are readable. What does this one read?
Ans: 2,12,19
